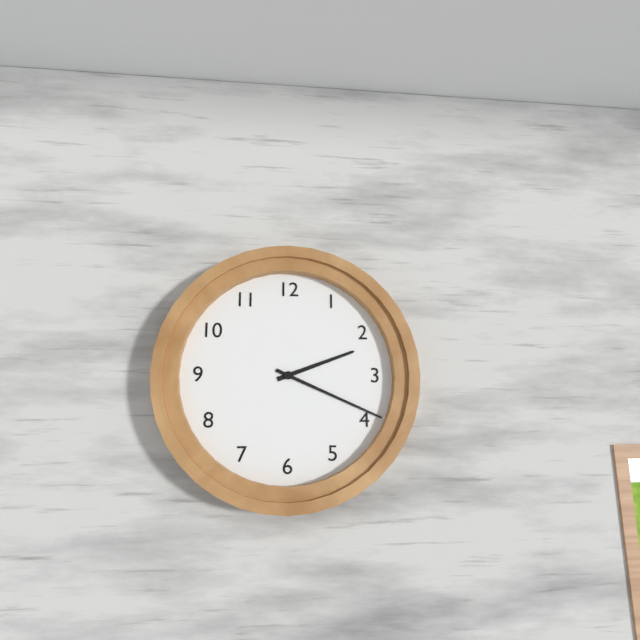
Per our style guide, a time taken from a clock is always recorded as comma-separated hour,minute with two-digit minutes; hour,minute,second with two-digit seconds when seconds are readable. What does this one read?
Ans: 2,19
